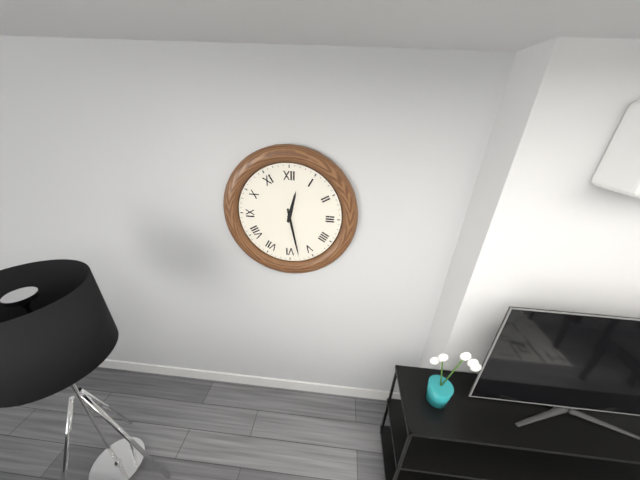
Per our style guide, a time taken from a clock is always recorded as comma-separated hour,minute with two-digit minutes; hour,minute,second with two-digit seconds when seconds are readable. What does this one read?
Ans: 12,28
